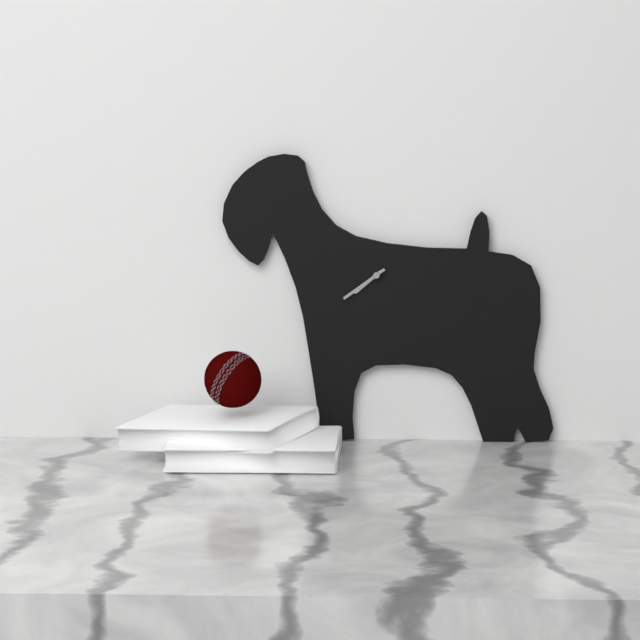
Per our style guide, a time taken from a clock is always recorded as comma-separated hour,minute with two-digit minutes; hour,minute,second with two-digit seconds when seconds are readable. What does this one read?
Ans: 7,39
